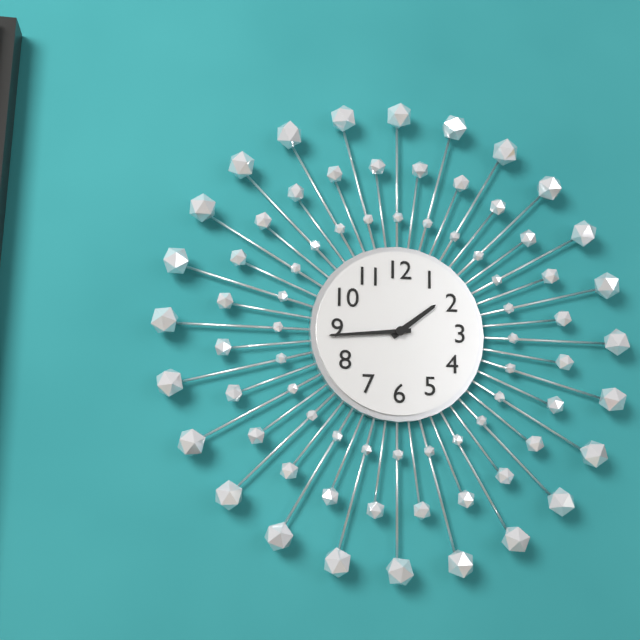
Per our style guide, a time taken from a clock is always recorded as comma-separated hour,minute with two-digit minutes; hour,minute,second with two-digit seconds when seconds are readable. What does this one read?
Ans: 1,44
